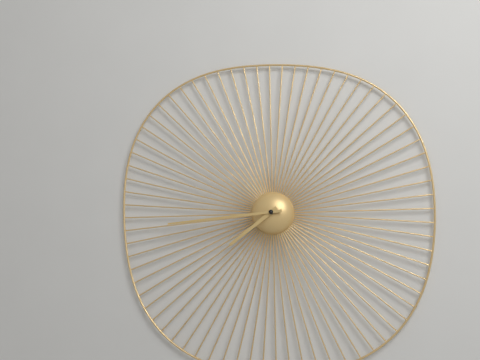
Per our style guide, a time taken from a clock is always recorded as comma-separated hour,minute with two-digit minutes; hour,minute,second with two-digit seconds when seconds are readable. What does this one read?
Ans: 7,44
